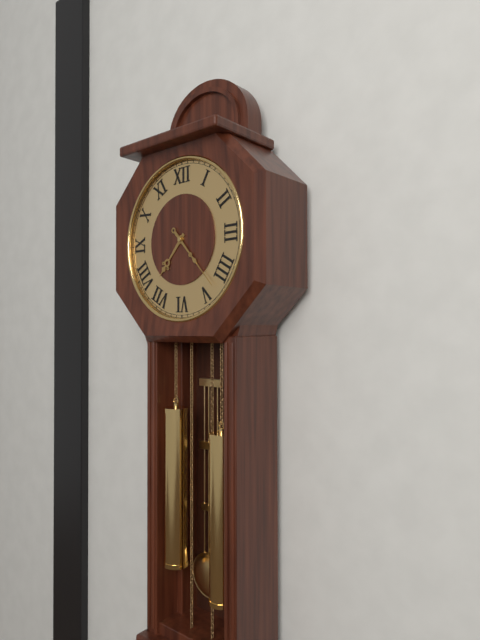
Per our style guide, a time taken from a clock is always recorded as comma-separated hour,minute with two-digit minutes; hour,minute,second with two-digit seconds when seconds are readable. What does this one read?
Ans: 7,23
